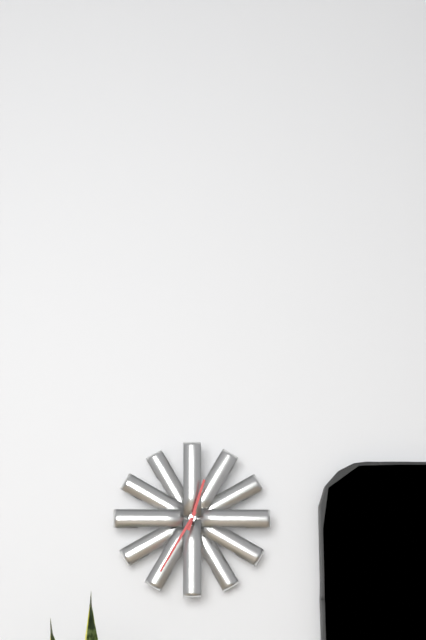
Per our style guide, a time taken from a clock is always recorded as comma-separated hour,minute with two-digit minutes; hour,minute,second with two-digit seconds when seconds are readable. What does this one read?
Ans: 12,35
